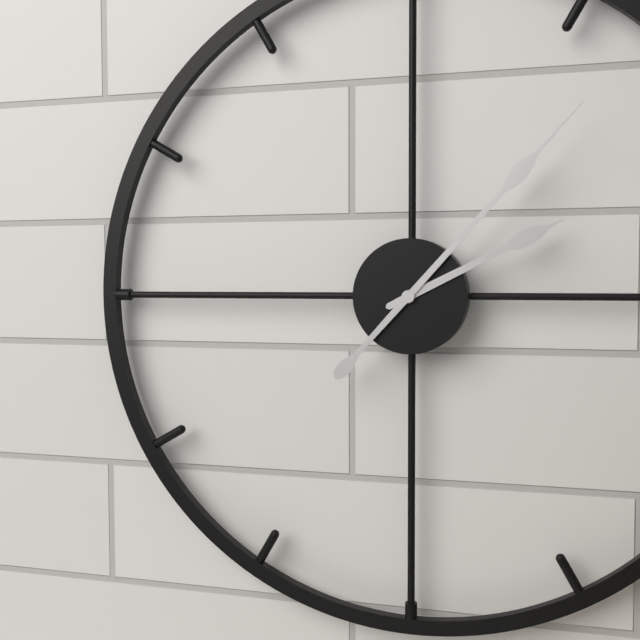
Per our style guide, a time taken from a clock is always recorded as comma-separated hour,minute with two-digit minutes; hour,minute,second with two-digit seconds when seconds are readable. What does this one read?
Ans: 2,07
